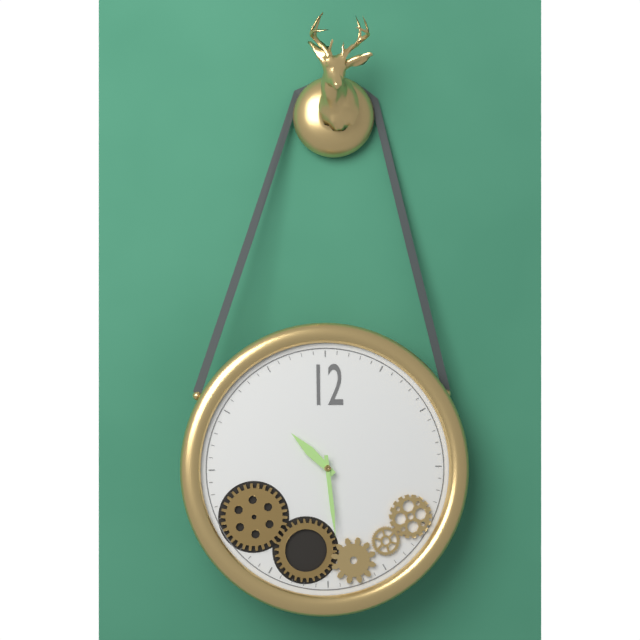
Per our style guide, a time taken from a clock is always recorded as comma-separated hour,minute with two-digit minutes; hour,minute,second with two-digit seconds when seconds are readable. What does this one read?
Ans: 10,29
